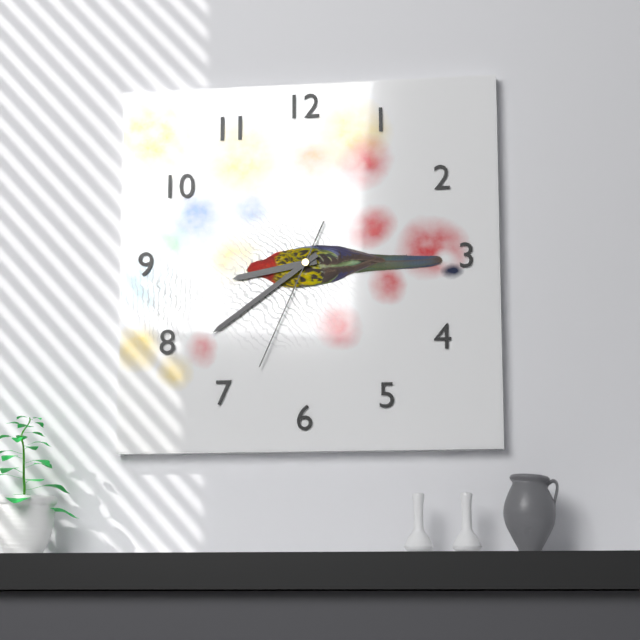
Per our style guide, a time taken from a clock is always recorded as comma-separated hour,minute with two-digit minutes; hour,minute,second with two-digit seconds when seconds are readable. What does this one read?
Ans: 8,39,34
